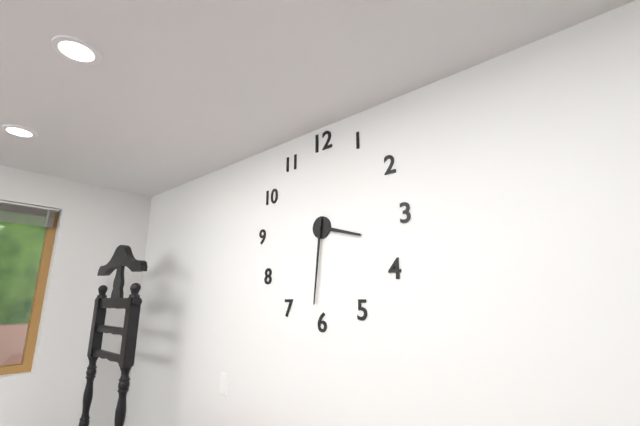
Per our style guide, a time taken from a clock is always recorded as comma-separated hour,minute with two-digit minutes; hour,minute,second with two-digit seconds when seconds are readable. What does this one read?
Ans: 3,31
